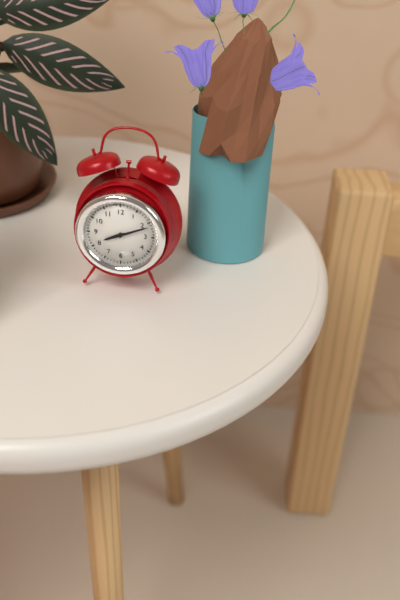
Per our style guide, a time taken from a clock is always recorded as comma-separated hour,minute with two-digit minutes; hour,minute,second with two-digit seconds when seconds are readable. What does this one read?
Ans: 8,11
